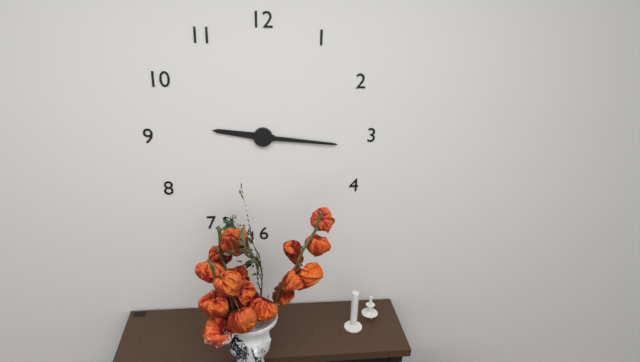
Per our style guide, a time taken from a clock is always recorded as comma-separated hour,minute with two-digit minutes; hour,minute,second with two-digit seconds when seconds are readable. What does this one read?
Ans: 9,16
